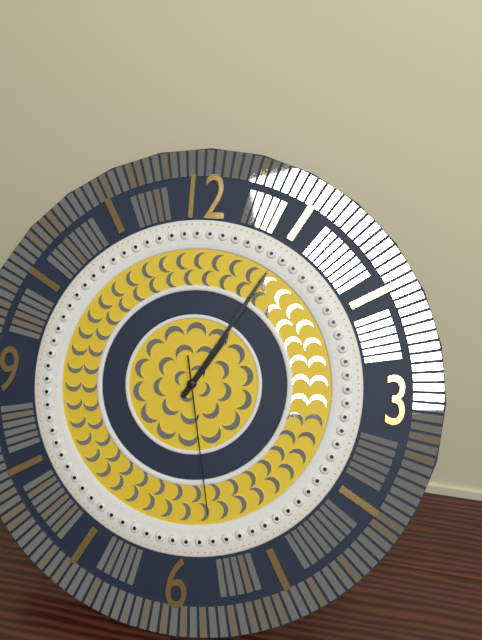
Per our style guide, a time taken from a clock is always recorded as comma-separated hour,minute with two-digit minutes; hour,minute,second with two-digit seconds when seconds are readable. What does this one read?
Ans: 1,05,28
